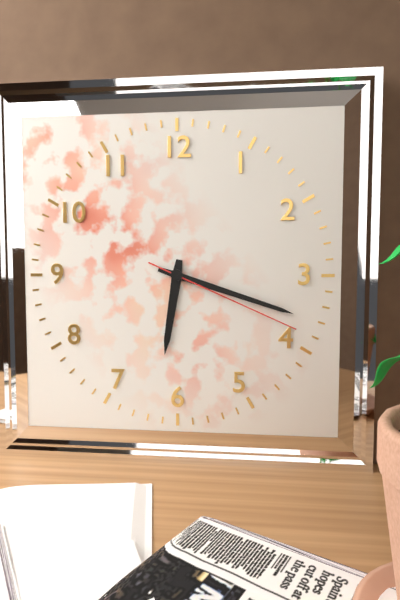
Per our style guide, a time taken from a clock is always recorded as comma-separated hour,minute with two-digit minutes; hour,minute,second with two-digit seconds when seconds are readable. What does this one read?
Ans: 6,18,19
